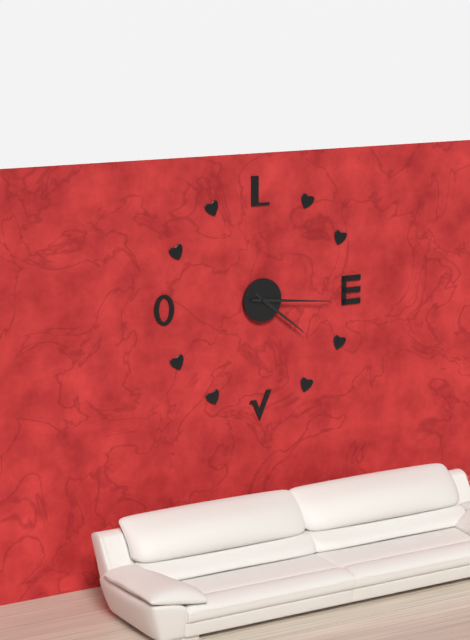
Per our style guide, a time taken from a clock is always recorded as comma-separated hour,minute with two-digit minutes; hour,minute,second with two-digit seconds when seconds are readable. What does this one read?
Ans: 4,16
